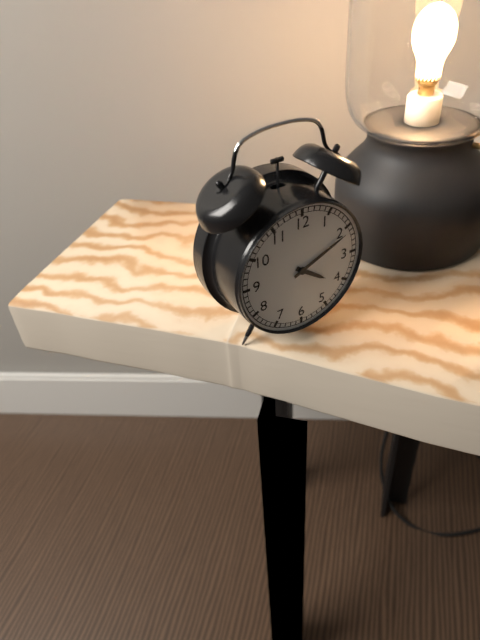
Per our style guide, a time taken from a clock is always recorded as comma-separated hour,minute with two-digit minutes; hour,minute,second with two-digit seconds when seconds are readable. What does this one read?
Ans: 4,11
